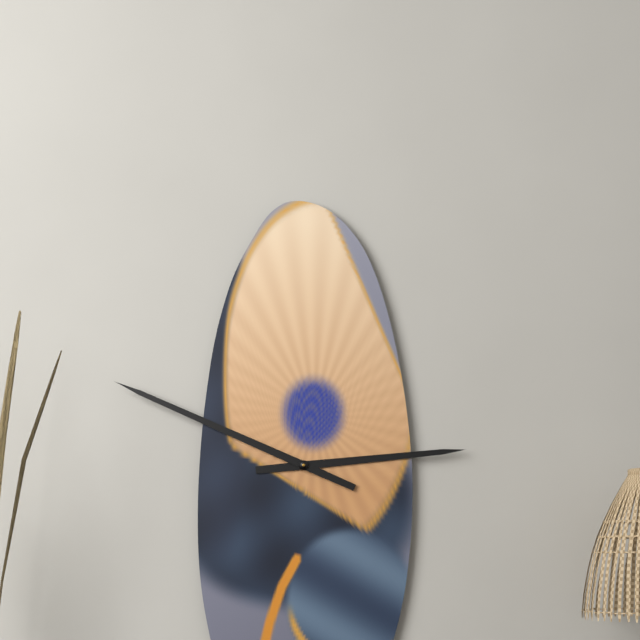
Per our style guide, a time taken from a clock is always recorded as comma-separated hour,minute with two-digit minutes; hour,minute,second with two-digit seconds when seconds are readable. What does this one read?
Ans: 2,49
